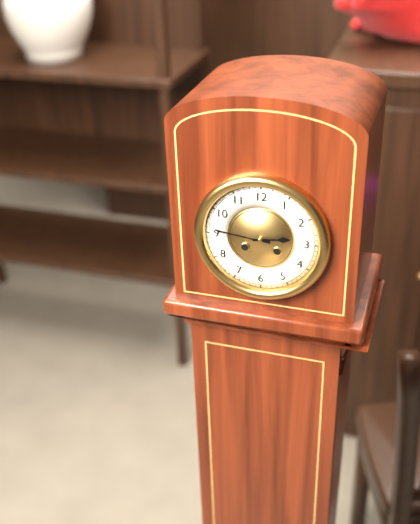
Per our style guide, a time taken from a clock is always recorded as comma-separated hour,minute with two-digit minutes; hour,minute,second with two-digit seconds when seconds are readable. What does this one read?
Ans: 2,46
